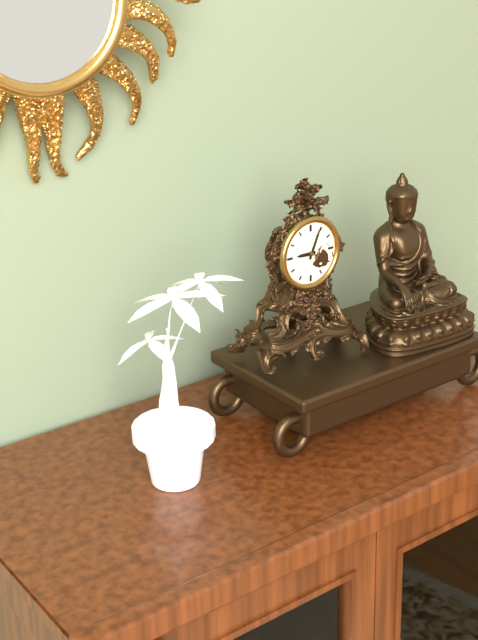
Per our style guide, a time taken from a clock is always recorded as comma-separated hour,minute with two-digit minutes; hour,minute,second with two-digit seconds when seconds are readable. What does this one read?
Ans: 9,04
